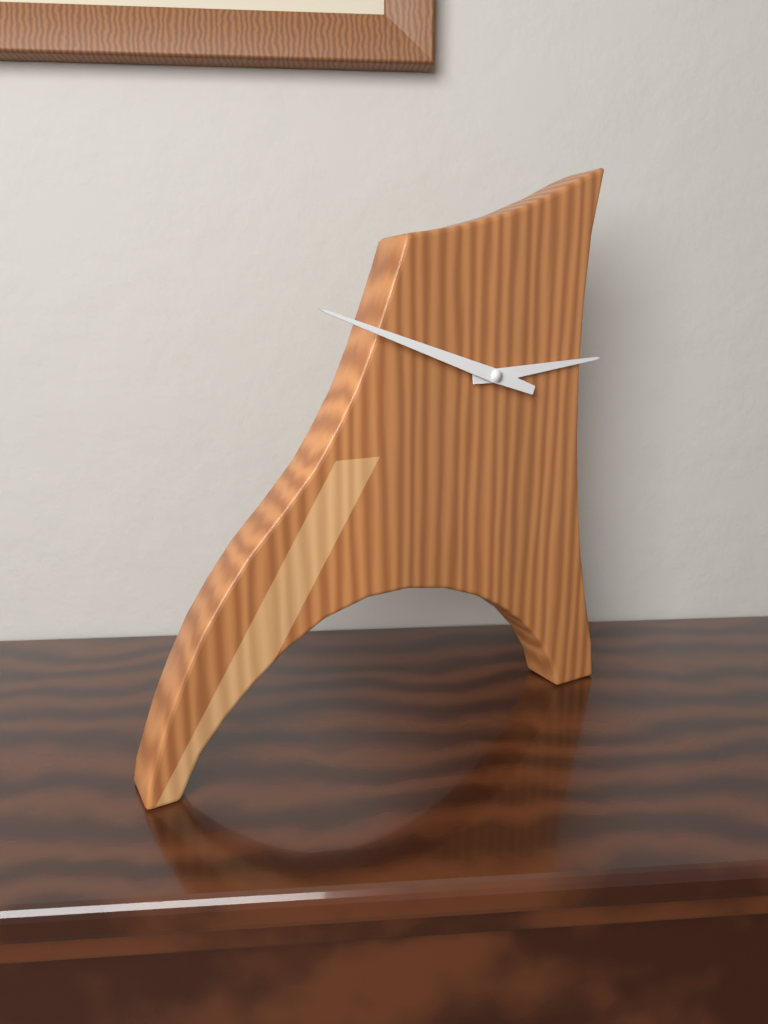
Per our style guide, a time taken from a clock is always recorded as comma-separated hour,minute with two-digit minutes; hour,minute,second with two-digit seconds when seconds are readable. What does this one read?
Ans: 2,48
